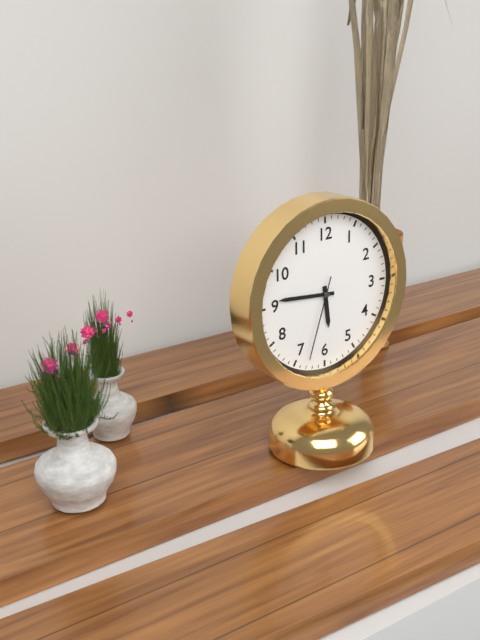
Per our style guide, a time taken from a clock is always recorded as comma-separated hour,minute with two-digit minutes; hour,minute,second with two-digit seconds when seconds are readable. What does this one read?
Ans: 5,46,33
